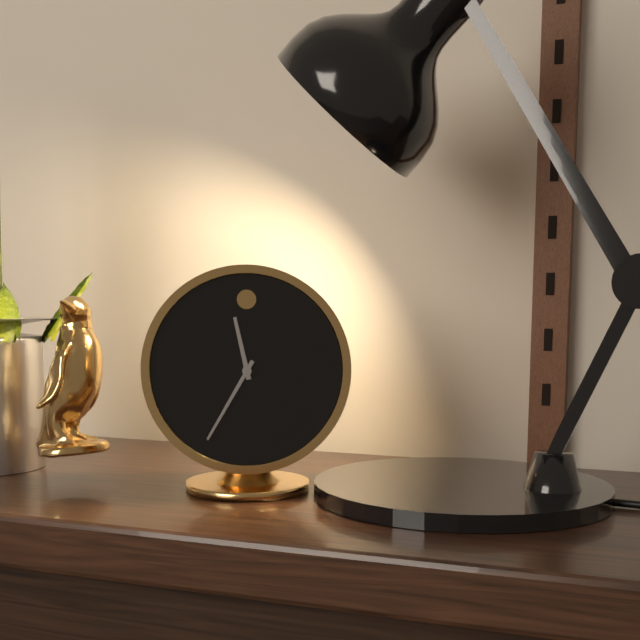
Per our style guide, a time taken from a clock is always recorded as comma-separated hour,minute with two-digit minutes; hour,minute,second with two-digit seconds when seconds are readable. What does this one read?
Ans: 11,35
